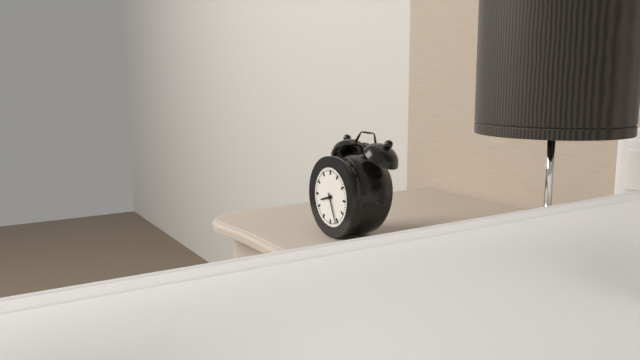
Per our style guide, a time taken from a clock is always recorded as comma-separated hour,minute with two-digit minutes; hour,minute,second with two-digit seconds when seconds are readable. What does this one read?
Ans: 8,26
